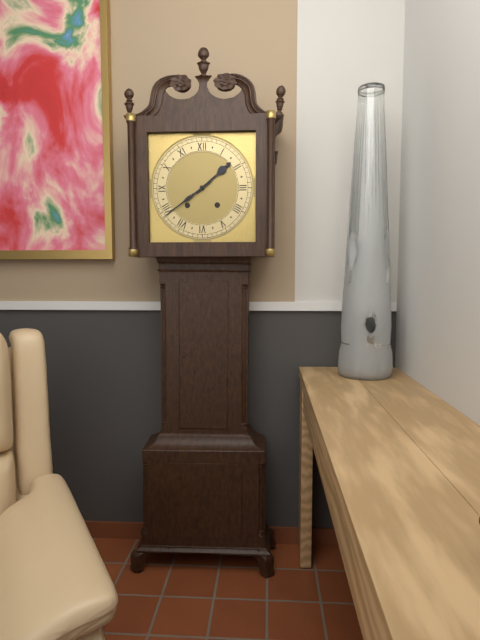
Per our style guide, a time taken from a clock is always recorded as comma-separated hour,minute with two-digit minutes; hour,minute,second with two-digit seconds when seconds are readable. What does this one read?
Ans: 1,39
